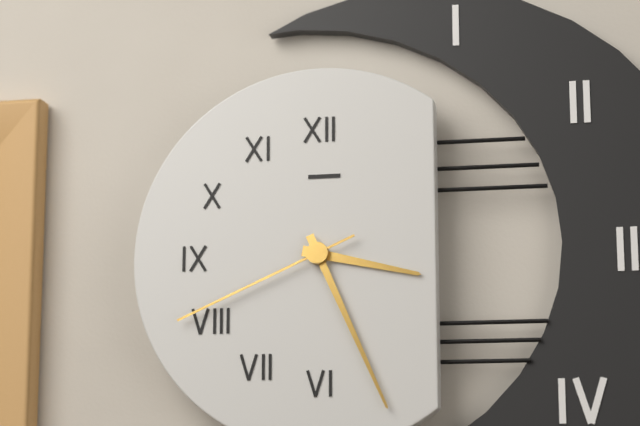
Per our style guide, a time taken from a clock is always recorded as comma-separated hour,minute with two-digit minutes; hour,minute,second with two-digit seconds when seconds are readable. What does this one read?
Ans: 3,26,41
